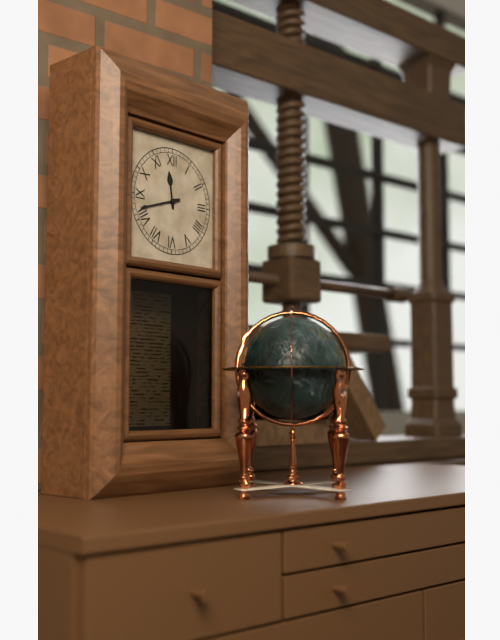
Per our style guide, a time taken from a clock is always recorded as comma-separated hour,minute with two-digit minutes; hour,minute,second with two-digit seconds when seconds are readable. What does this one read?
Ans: 11,42
